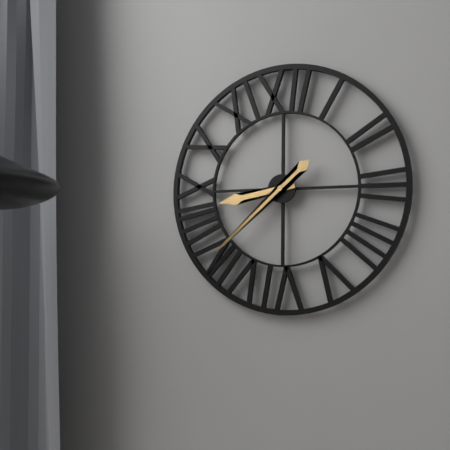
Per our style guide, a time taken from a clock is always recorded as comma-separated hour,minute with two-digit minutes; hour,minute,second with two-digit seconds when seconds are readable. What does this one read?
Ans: 8,38
